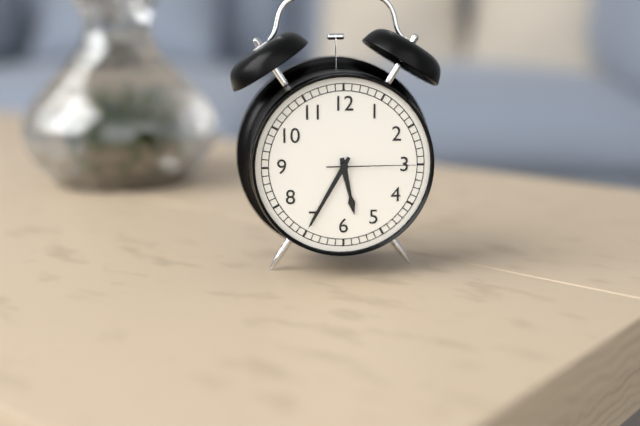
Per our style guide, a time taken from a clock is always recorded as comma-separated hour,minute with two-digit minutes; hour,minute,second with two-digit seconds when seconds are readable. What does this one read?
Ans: 5,35,15
